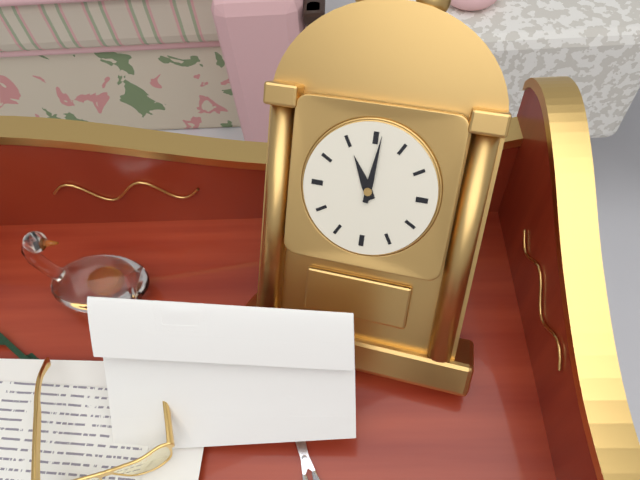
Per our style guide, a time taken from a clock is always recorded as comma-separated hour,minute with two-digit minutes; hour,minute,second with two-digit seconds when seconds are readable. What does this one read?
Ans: 11,01
